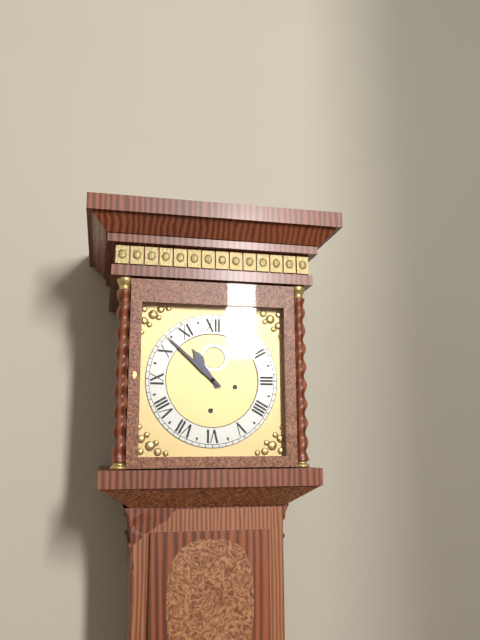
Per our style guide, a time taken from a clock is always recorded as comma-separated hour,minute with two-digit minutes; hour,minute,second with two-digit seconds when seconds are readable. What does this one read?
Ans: 10,52
